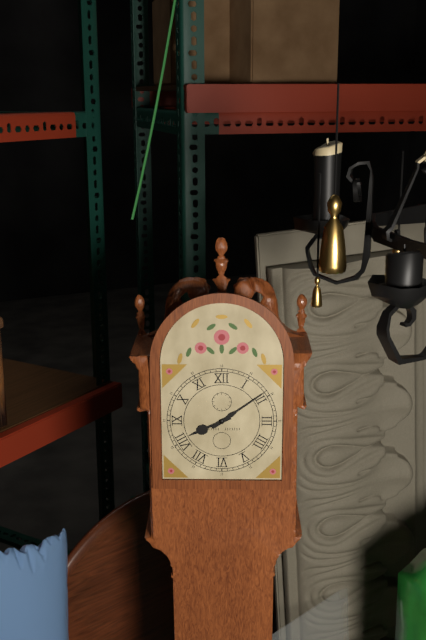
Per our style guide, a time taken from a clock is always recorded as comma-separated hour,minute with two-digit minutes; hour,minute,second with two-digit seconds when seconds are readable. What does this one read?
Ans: 8,09
